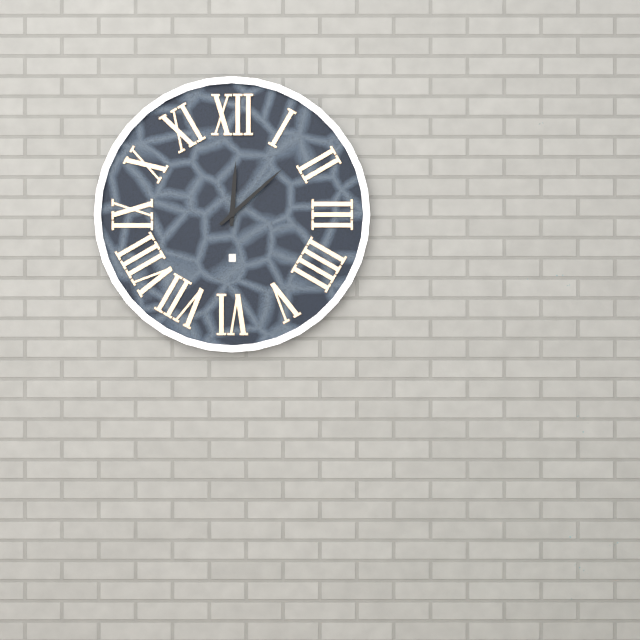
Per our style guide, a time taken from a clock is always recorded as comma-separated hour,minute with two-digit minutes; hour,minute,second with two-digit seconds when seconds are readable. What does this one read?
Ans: 12,08
